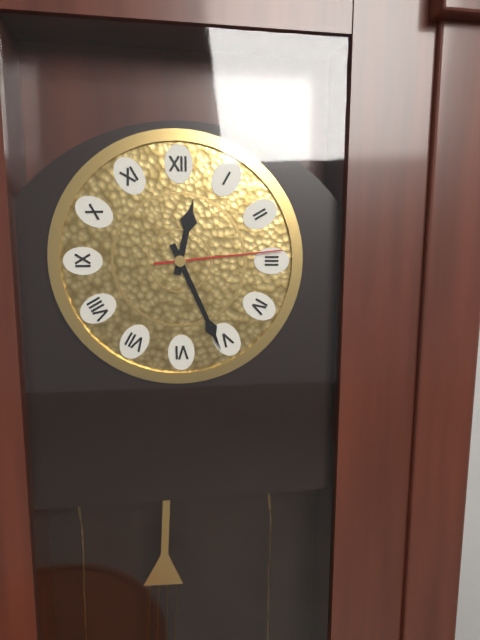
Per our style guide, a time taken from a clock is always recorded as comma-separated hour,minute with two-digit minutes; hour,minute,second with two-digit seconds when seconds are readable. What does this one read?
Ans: 12,26,14
